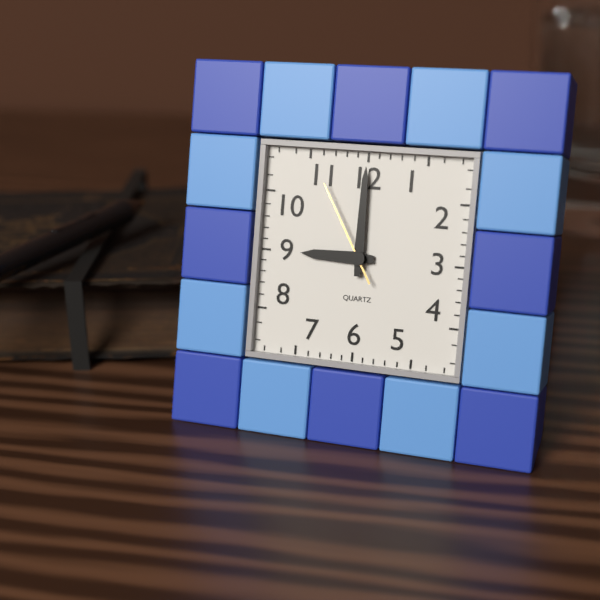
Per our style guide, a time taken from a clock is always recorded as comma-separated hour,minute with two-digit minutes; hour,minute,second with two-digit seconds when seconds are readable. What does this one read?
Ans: 9,00,55
